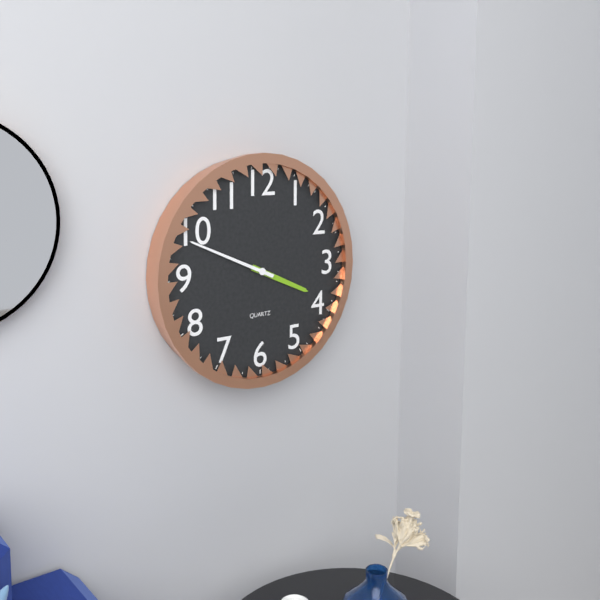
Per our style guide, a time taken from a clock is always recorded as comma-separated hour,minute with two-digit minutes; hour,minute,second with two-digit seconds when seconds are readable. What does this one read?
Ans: 3,49
